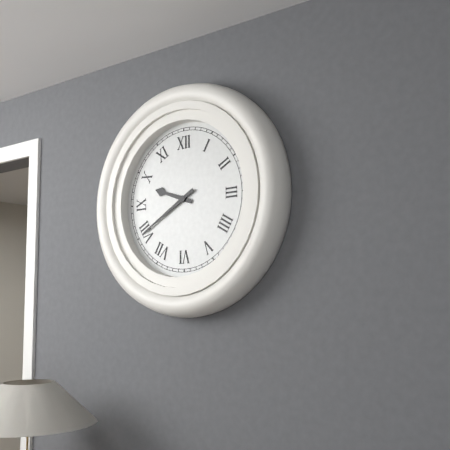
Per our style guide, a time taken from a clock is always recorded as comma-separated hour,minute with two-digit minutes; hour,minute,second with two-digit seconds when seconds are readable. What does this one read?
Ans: 9,40
